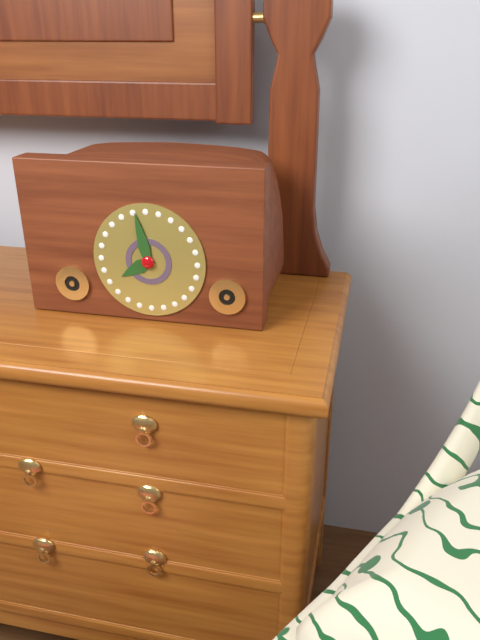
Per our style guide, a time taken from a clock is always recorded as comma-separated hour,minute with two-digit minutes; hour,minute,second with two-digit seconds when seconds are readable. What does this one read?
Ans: 7,58
